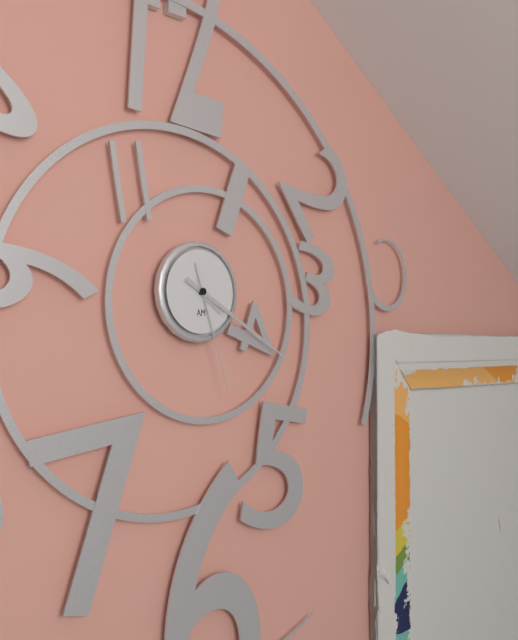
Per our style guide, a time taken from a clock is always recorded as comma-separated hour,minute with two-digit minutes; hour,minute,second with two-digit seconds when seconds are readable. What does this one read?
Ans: 4,20,27
